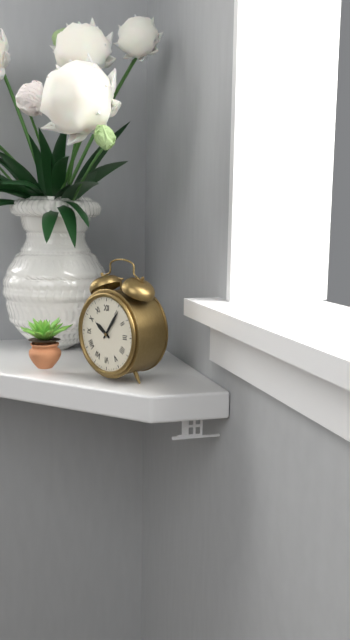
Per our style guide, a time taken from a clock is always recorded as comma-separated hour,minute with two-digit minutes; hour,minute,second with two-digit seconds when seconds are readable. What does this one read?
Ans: 10,06
